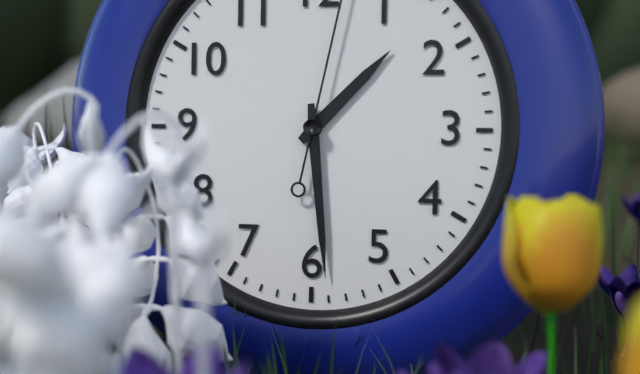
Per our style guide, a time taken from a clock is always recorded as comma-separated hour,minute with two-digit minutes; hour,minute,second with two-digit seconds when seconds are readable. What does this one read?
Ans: 1,29
